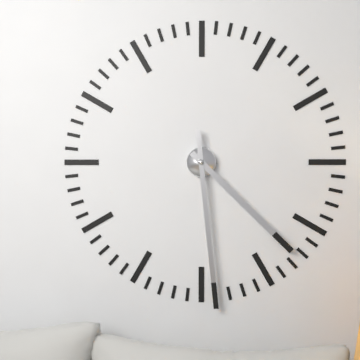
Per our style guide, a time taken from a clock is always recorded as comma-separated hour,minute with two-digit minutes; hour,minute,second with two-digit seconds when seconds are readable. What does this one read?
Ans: 4,29
